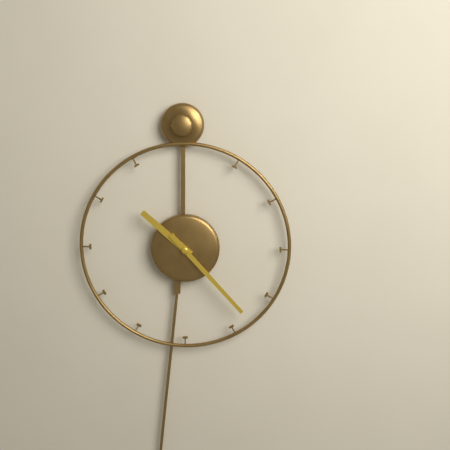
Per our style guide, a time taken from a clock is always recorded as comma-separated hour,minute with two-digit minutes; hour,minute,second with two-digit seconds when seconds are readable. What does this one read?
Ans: 10,23
